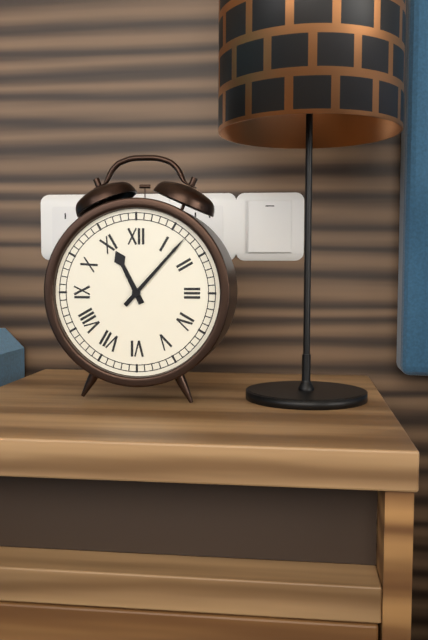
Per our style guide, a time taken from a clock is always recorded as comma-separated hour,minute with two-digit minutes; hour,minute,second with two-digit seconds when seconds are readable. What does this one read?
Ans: 11,07
